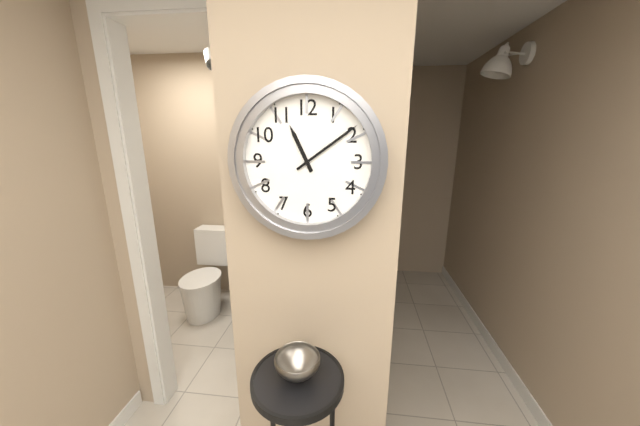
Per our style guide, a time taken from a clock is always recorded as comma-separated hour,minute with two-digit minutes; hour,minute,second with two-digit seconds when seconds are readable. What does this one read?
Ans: 11,09
